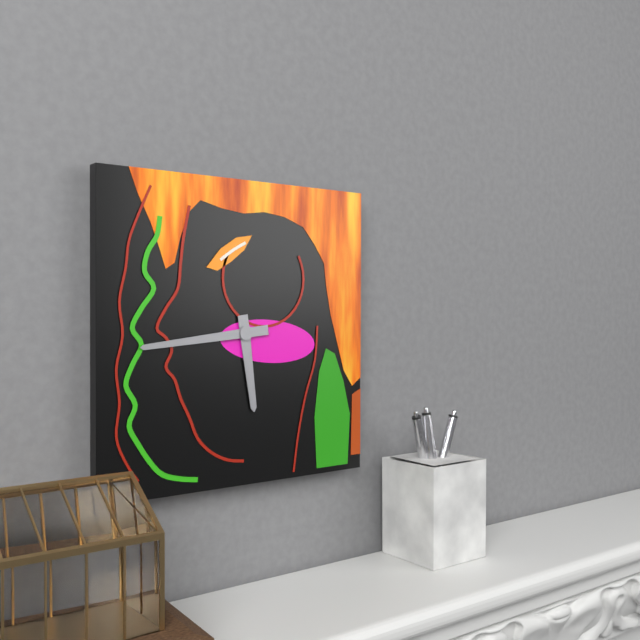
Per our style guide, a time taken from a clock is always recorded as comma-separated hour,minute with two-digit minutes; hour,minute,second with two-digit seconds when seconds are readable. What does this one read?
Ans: 5,44
